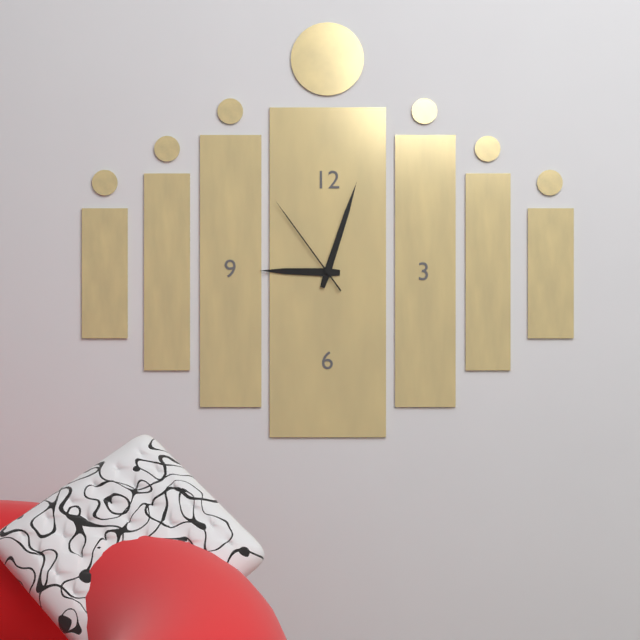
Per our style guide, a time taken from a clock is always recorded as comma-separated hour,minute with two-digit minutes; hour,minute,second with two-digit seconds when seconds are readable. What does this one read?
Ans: 9,03,54
